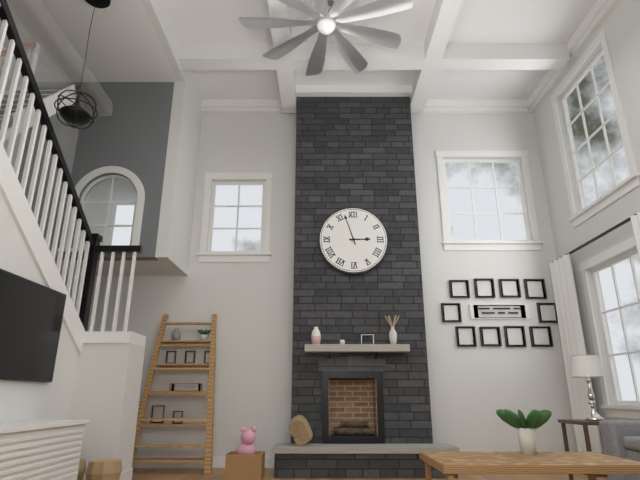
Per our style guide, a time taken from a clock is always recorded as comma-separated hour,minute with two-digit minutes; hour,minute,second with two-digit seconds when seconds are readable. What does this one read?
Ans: 2,57
